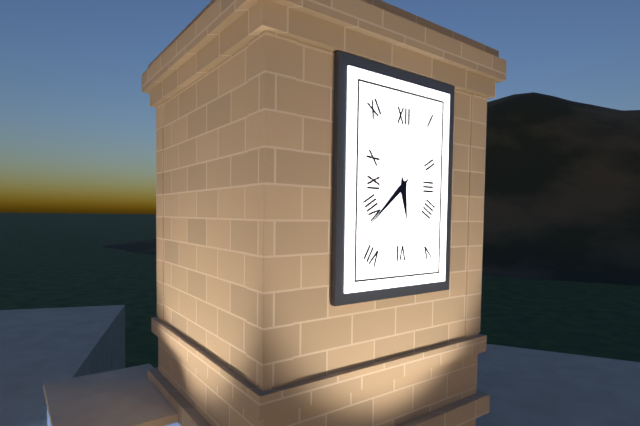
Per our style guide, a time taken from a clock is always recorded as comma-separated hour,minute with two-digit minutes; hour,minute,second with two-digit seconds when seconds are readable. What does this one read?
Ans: 5,38
